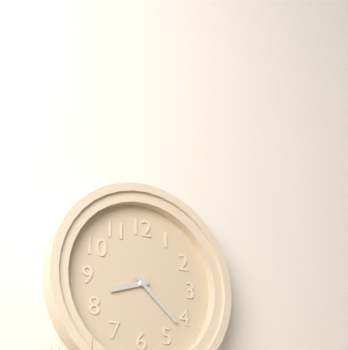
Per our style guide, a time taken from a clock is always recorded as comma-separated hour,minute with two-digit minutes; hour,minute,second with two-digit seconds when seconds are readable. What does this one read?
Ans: 8,22
